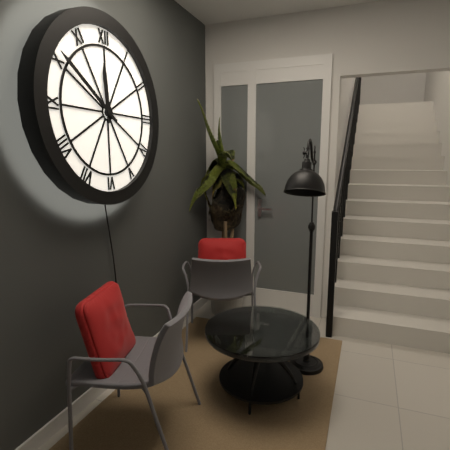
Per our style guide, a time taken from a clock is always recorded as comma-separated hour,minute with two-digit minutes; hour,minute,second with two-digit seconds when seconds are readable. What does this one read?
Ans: 11,51
